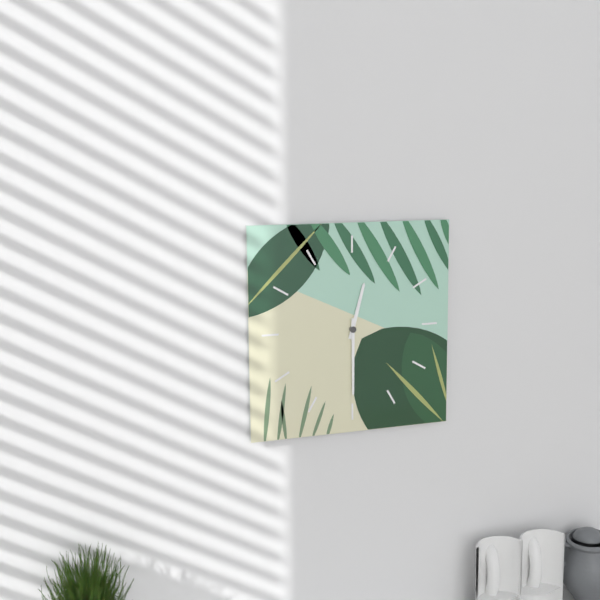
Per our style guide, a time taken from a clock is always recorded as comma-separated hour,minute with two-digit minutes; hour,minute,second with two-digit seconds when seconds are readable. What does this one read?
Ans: 12,30
